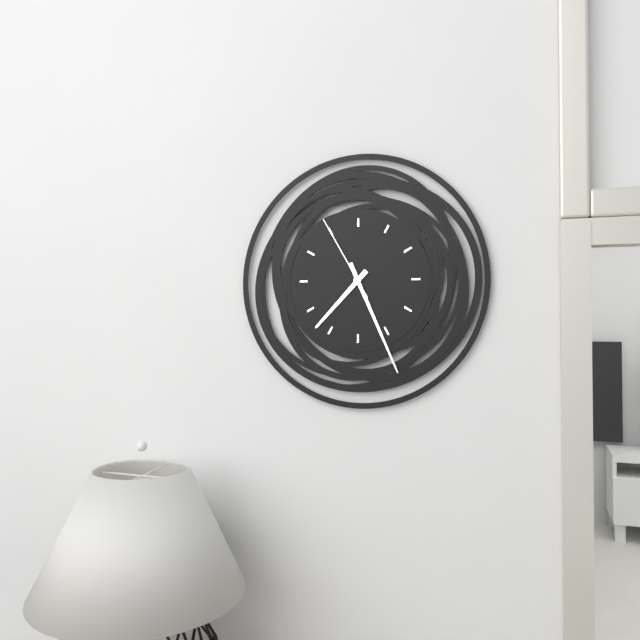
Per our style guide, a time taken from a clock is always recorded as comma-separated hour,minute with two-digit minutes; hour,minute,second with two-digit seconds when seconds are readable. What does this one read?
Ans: 7,26,55
